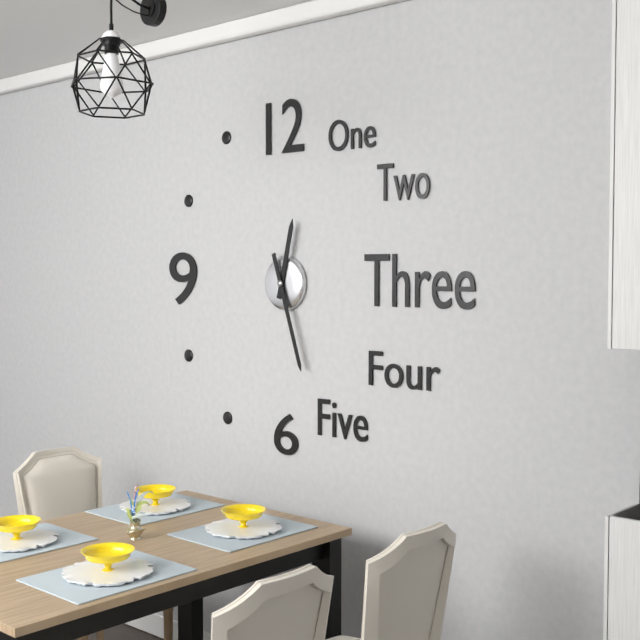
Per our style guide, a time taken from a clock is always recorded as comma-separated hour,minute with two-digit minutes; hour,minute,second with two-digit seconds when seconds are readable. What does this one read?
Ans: 12,27
